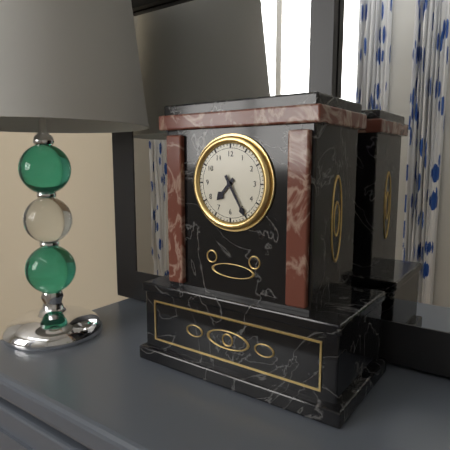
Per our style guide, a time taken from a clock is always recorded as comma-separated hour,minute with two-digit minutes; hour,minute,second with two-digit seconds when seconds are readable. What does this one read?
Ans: 7,25
